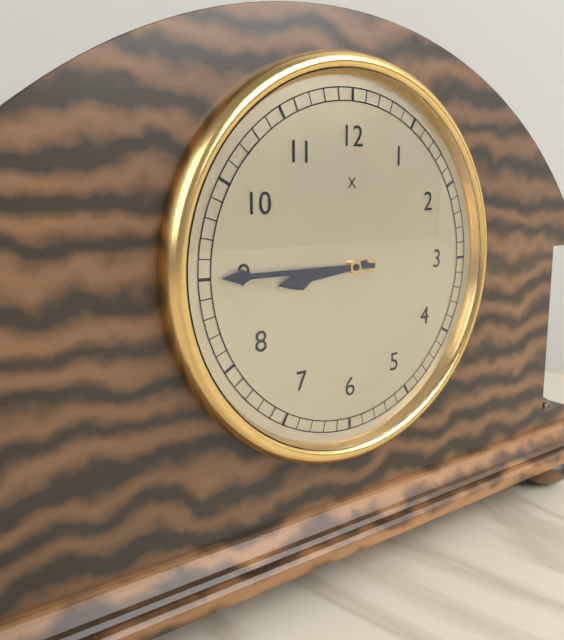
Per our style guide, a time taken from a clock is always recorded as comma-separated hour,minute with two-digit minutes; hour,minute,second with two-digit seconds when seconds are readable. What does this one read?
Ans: 8,45
